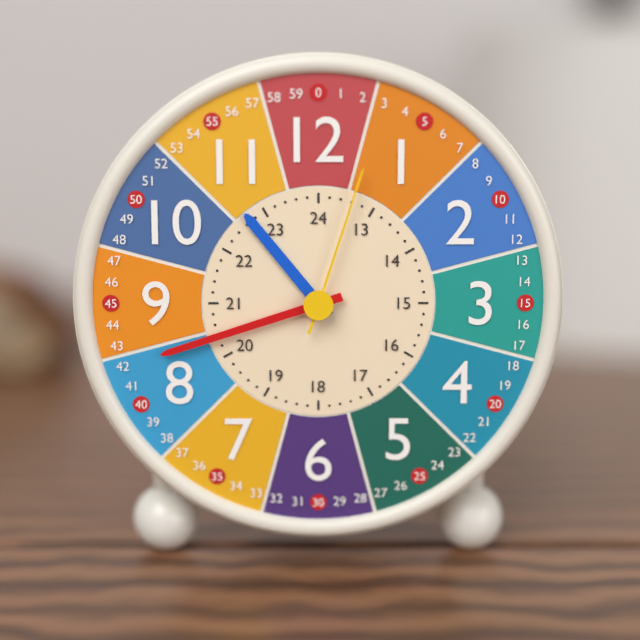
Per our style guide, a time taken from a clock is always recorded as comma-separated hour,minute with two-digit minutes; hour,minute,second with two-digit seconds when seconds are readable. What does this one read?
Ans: 10,42,03
